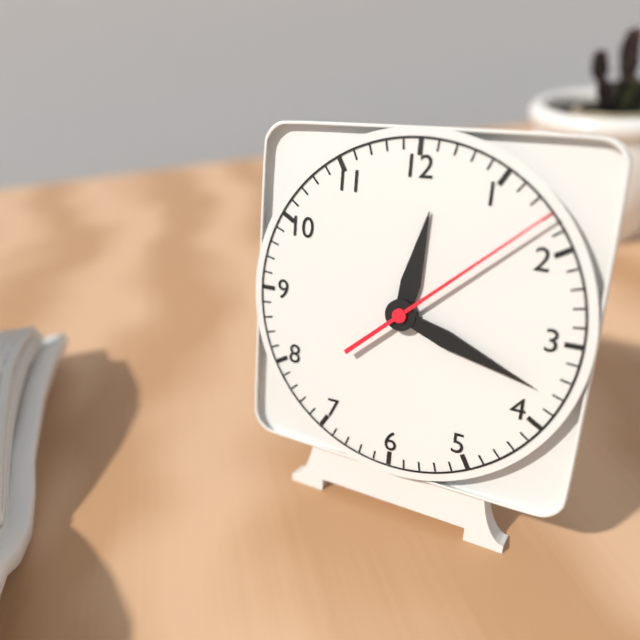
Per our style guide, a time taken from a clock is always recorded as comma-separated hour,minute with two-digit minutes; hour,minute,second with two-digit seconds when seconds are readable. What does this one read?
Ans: 12,18,08
